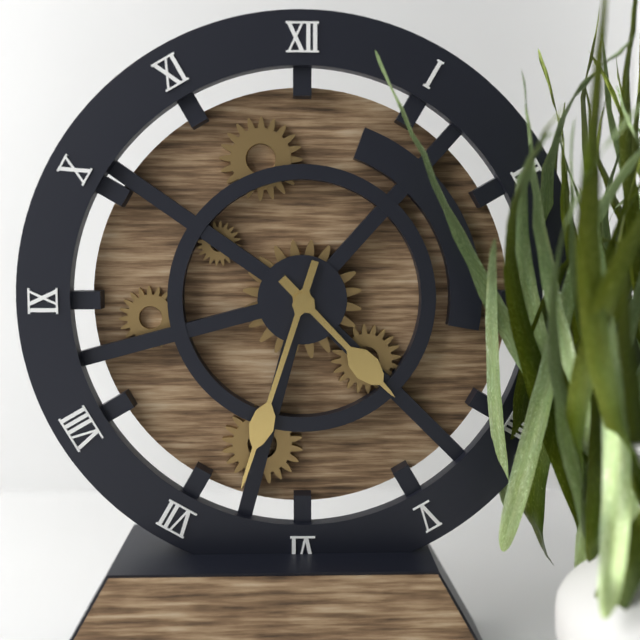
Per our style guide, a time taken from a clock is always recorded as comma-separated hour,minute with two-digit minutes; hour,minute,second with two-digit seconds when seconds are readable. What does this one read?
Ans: 4,33
